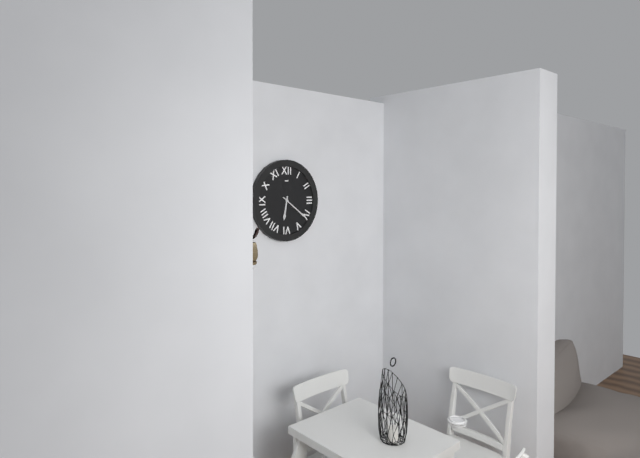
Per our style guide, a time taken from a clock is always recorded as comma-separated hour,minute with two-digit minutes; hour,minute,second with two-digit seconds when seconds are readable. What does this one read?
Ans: 6,21
